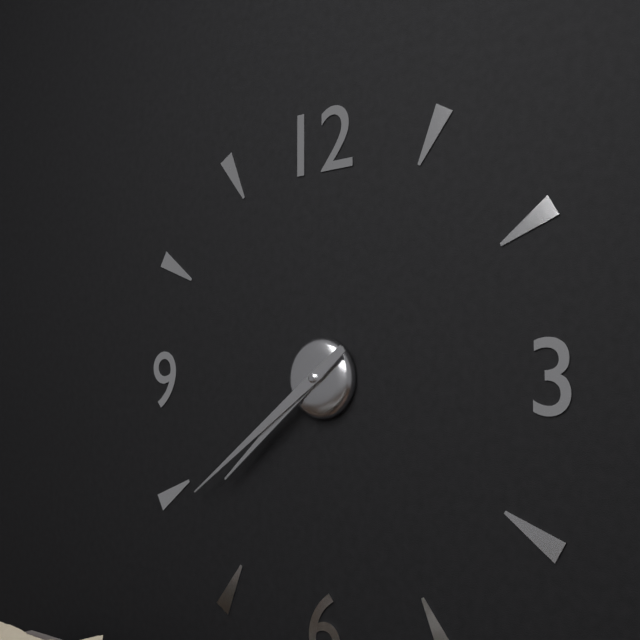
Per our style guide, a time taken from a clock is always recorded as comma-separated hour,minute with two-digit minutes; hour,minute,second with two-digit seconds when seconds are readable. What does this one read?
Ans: 7,39
